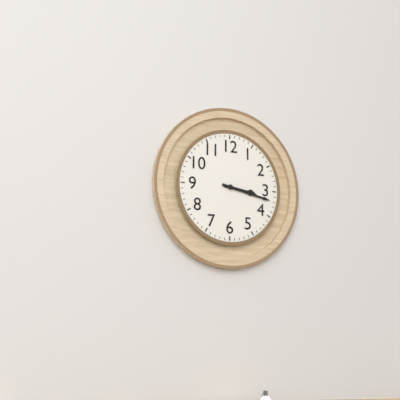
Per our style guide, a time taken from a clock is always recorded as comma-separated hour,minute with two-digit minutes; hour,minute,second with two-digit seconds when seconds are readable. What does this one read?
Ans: 3,17
